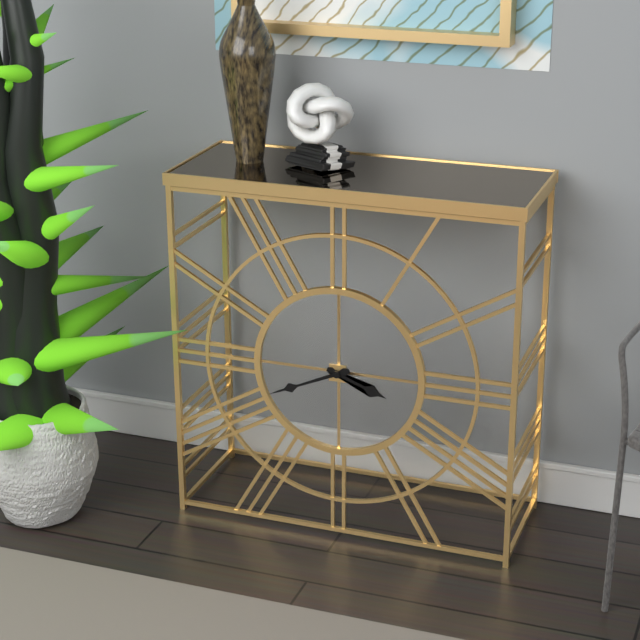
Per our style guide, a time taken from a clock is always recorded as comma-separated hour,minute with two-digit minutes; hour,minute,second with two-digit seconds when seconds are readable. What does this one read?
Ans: 3,41
